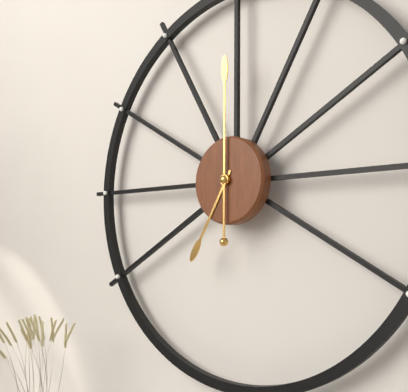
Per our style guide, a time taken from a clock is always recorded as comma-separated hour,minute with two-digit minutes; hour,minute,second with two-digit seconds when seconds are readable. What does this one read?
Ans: 7,00
